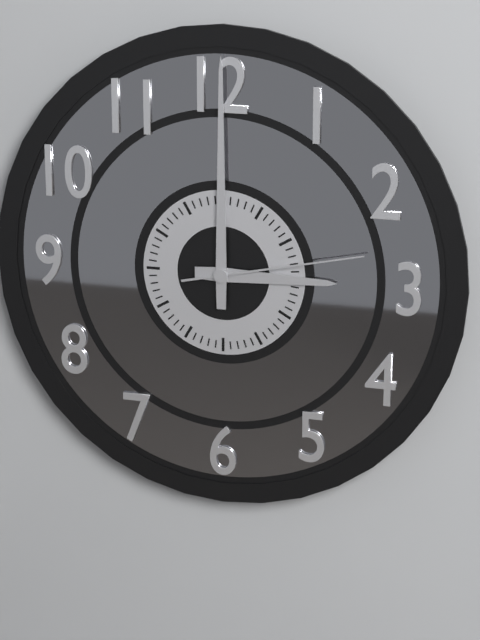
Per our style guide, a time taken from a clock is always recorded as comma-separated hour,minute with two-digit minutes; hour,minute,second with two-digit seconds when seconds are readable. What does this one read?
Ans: 3,00,13
